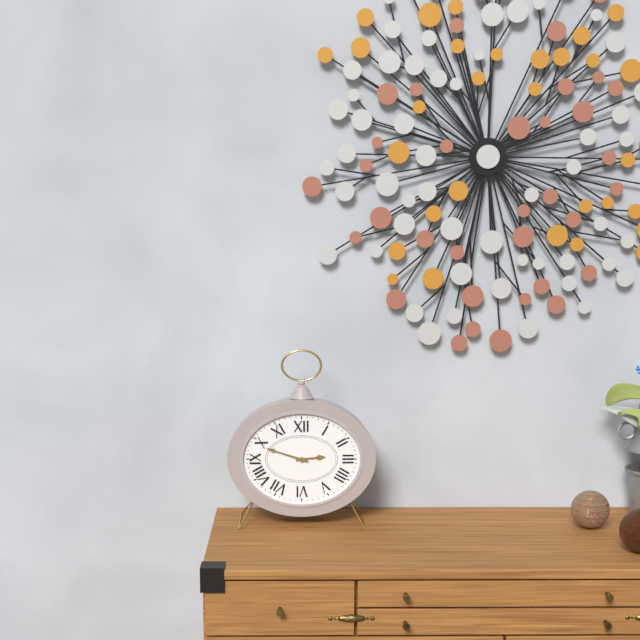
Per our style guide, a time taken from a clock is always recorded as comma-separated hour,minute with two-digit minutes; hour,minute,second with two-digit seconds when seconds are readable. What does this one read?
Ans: 2,48
